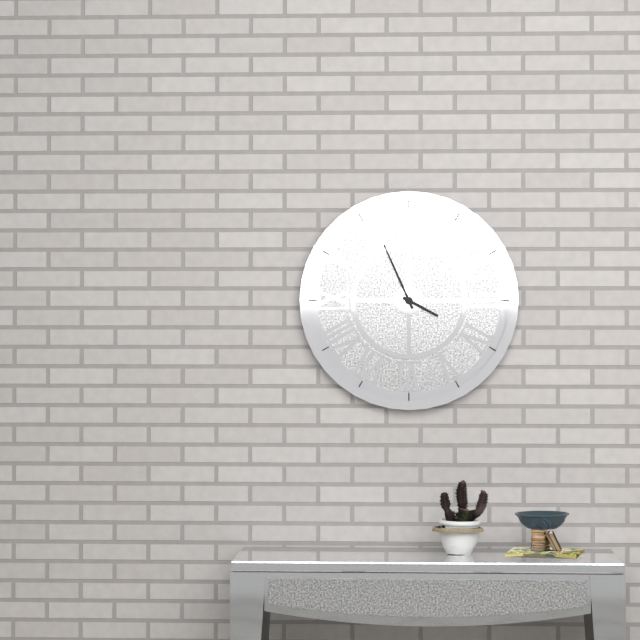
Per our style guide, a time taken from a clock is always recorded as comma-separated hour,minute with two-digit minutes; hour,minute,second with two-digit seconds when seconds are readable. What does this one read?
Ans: 3,56
